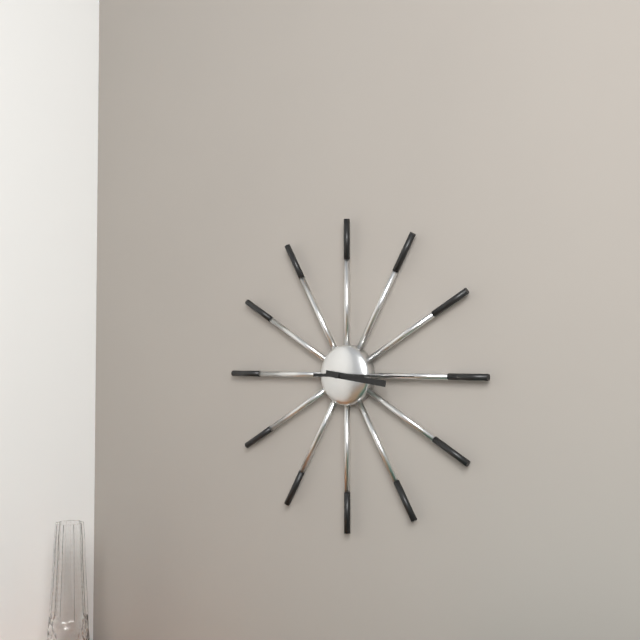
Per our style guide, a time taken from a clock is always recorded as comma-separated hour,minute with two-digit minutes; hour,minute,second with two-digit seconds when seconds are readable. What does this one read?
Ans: 3,15
